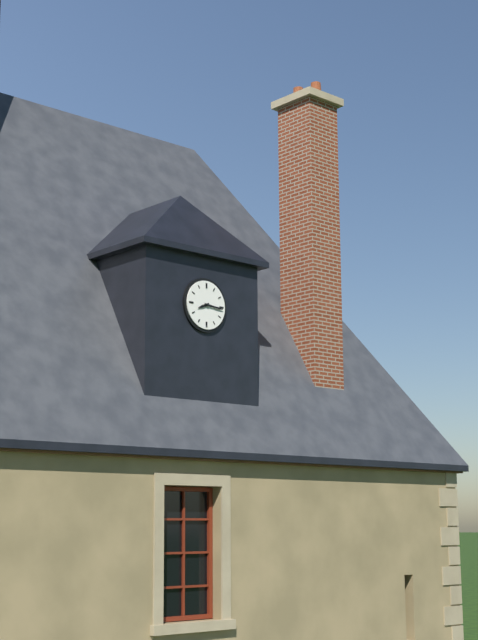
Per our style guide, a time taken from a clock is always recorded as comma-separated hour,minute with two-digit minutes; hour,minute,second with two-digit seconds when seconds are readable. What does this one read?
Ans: 8,16
